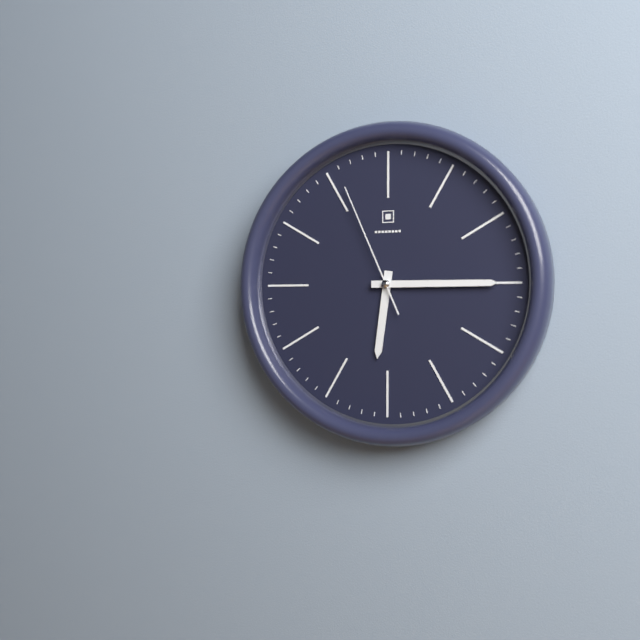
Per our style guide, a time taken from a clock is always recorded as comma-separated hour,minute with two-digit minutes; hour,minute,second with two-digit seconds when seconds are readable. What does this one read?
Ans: 6,15,56
